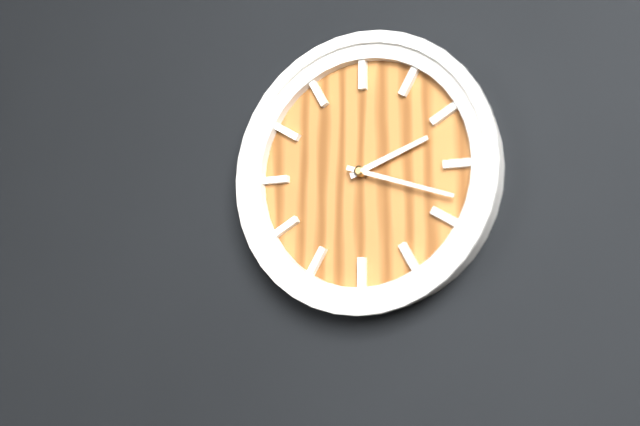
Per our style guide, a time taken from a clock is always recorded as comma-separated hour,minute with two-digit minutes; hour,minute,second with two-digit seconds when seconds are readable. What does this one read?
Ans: 2,18
